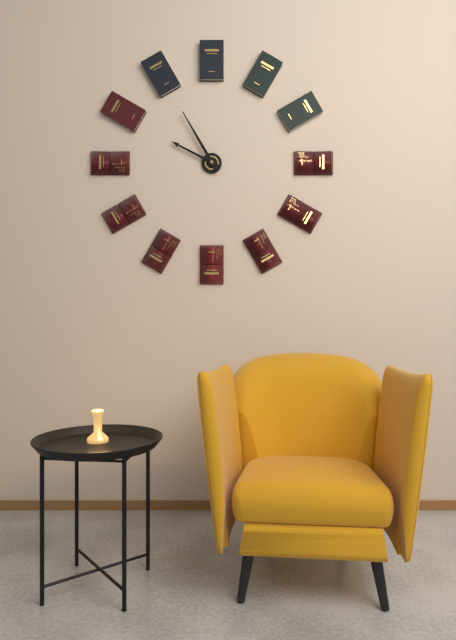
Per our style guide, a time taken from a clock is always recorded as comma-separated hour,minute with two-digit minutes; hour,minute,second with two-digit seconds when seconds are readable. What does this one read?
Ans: 9,55
